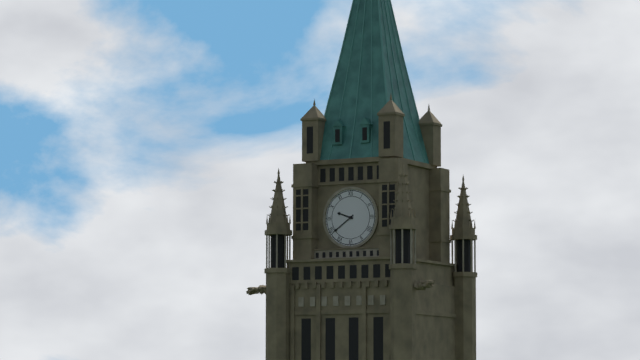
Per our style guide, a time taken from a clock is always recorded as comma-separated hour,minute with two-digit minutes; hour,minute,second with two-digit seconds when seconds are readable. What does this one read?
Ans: 9,39
